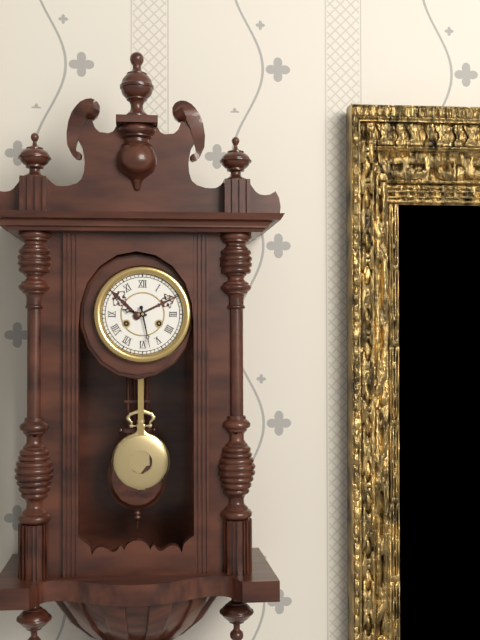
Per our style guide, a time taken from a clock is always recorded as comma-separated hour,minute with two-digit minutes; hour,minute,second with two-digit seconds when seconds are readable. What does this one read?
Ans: 9,28
